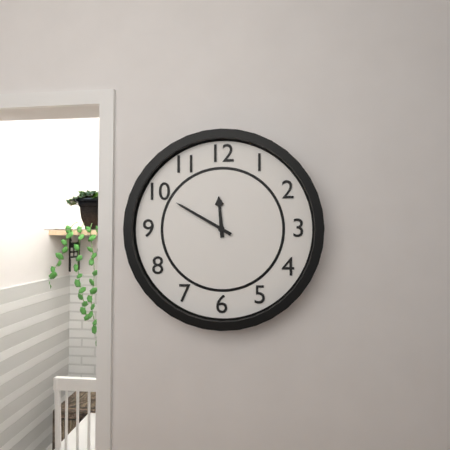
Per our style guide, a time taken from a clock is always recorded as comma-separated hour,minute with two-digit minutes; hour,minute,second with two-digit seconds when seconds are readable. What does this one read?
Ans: 11,50
